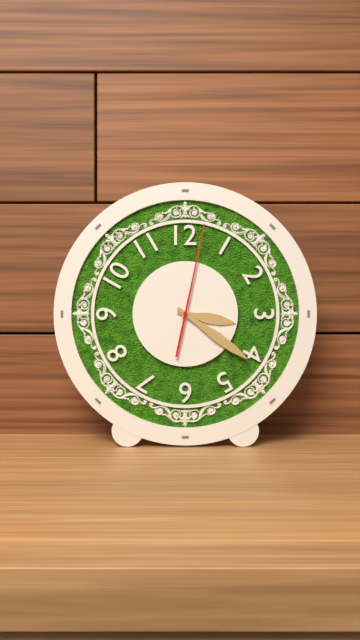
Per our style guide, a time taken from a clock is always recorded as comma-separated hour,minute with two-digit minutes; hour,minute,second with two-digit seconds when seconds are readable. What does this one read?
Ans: 3,21,02
